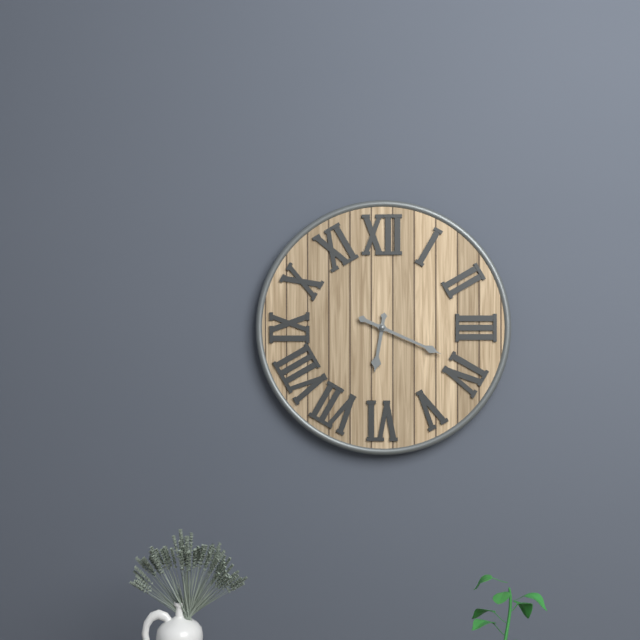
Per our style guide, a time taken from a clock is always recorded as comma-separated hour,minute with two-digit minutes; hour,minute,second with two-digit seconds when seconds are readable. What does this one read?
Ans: 6,19
